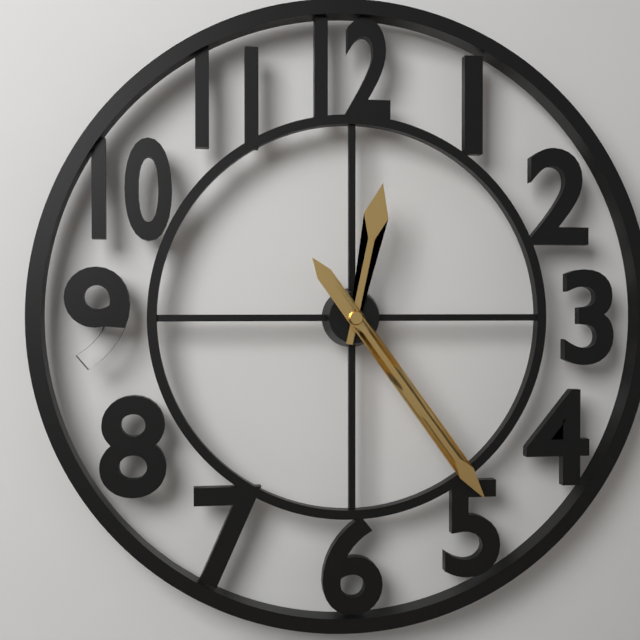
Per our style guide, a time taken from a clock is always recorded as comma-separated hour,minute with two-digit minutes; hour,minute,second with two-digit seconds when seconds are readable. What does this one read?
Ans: 12,24
